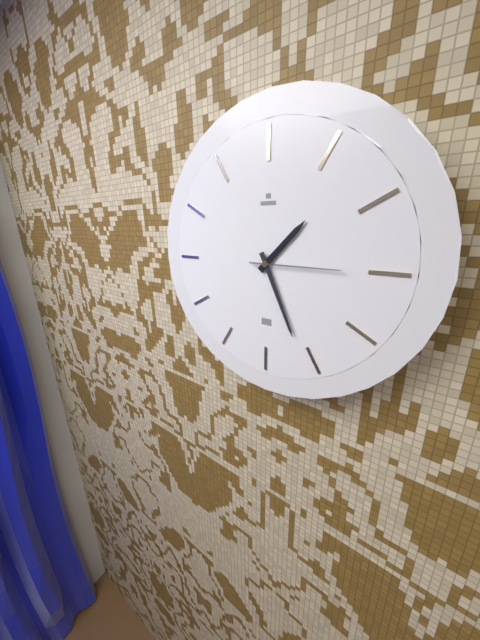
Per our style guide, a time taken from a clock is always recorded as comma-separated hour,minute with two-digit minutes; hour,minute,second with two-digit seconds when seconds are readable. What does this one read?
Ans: 1,26,15
